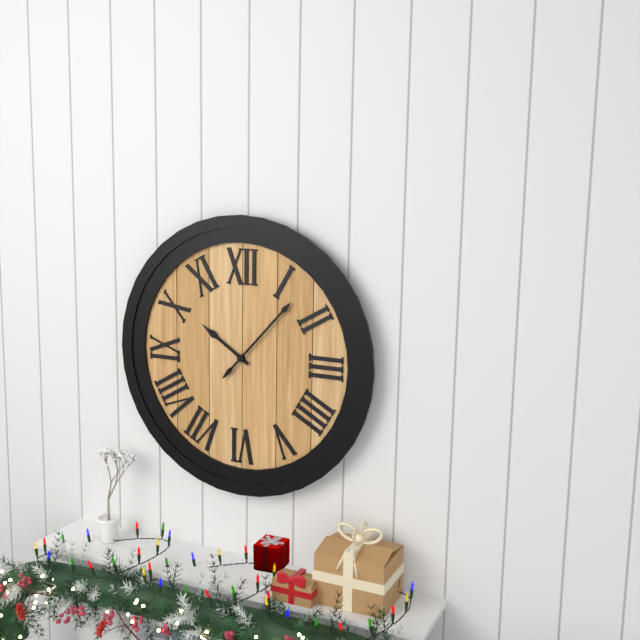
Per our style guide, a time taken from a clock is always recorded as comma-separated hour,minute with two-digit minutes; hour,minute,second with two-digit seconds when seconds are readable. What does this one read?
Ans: 10,07
